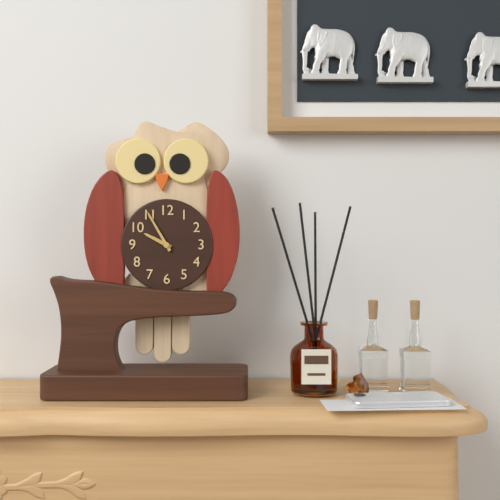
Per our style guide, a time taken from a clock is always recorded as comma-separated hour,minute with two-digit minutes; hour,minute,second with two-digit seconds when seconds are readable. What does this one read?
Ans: 9,55
